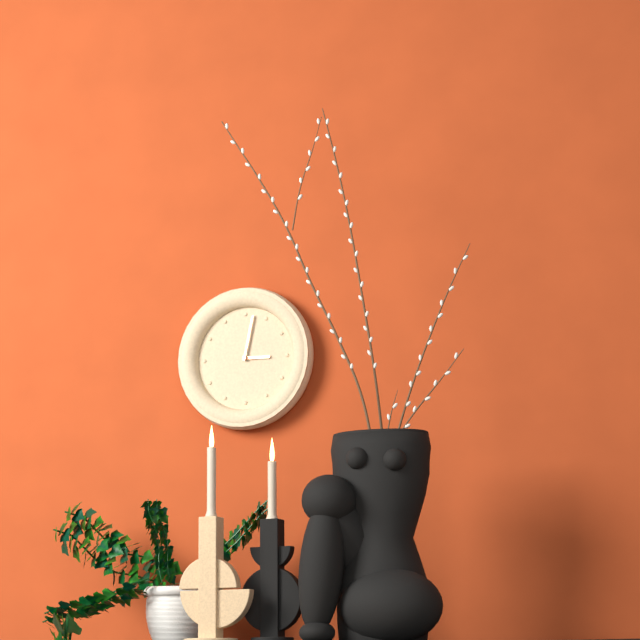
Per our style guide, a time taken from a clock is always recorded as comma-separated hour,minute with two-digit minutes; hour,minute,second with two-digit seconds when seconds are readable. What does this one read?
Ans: 3,02
